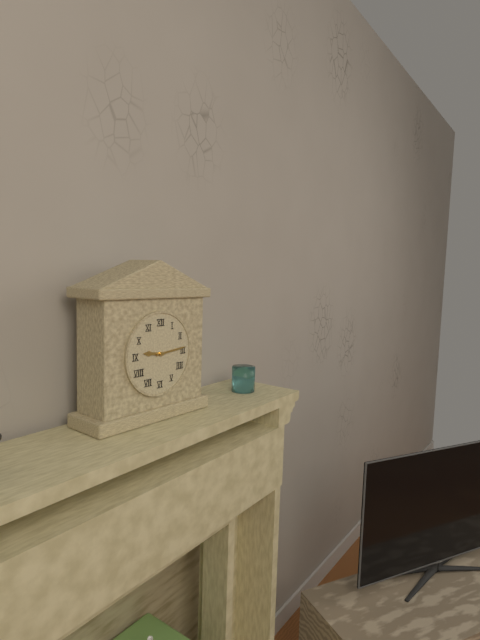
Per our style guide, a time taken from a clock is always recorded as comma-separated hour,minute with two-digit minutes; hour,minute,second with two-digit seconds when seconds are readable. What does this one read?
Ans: 9,14
